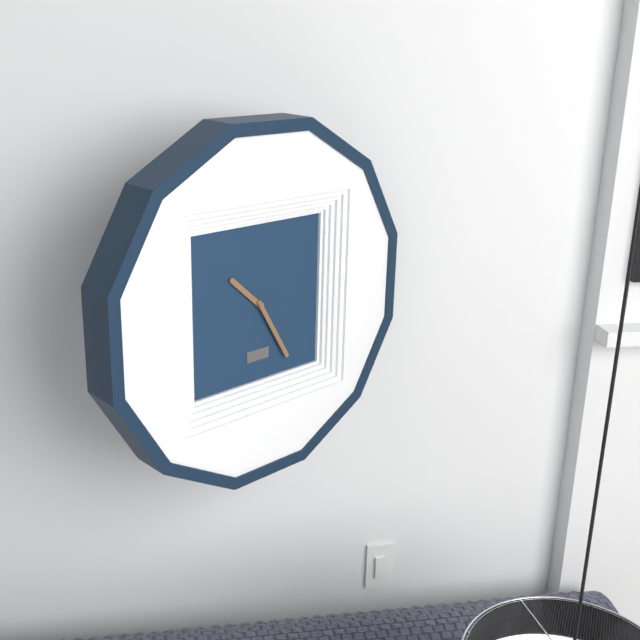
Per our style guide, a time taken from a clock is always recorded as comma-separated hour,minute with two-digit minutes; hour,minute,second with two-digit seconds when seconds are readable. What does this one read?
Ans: 10,25
